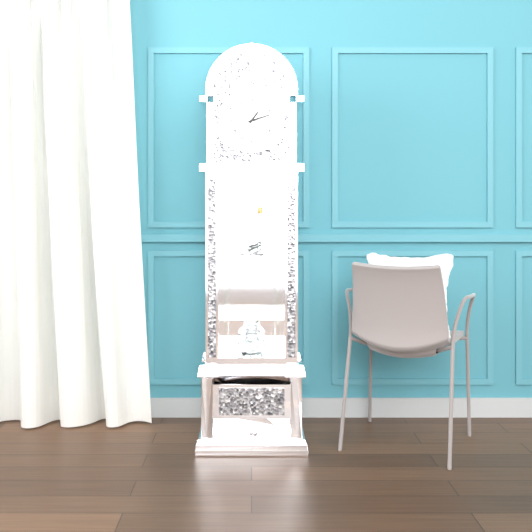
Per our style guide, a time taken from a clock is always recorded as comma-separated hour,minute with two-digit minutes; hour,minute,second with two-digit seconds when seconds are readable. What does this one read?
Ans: 1,12
